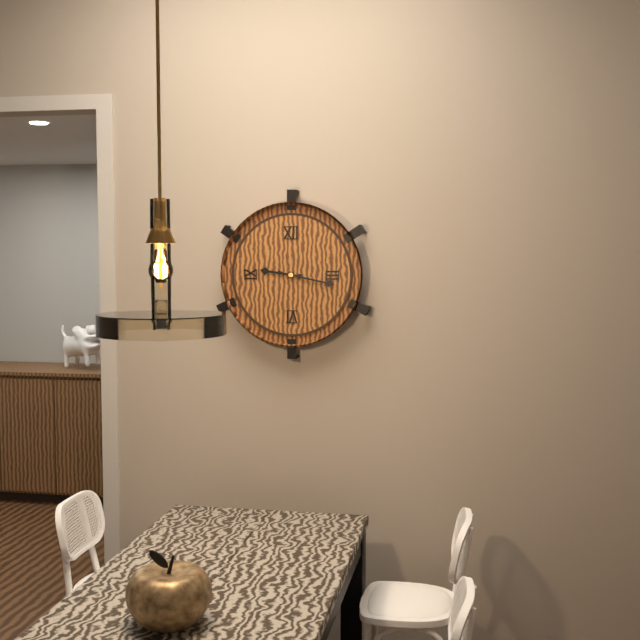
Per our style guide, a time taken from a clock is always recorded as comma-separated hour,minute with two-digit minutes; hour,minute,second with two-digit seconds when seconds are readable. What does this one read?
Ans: 9,17
